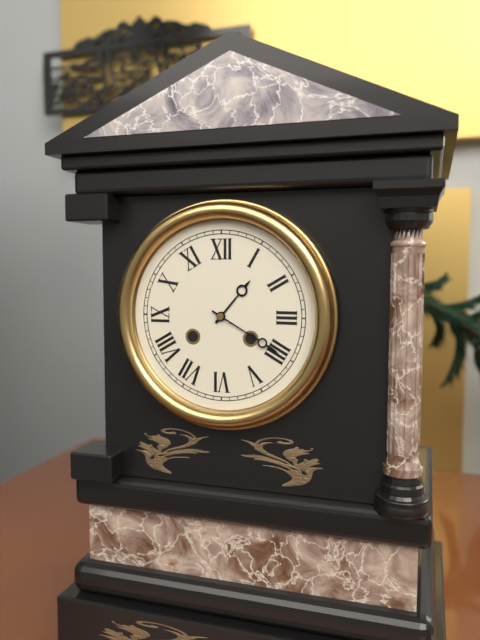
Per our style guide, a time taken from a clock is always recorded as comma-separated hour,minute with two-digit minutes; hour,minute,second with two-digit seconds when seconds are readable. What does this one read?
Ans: 1,20
